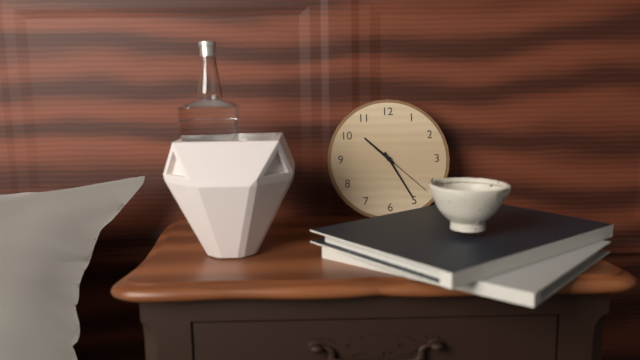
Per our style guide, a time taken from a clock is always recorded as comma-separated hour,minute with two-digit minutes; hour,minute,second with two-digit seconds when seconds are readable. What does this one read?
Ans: 10,25,22
